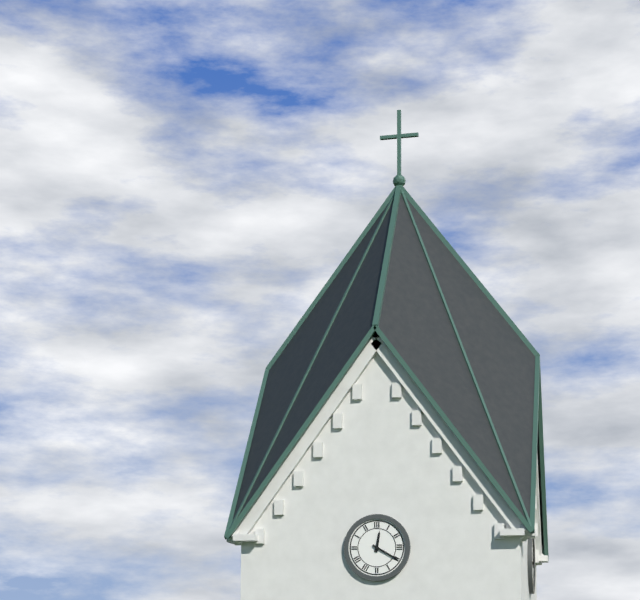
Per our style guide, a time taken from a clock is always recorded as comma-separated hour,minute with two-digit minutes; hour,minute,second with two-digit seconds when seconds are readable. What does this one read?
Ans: 12,20
